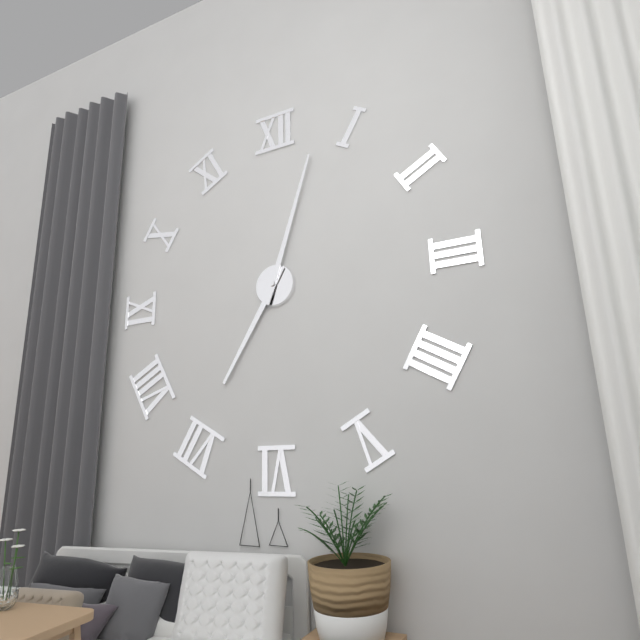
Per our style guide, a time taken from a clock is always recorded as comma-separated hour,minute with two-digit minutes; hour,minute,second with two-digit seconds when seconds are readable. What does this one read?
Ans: 7,03
